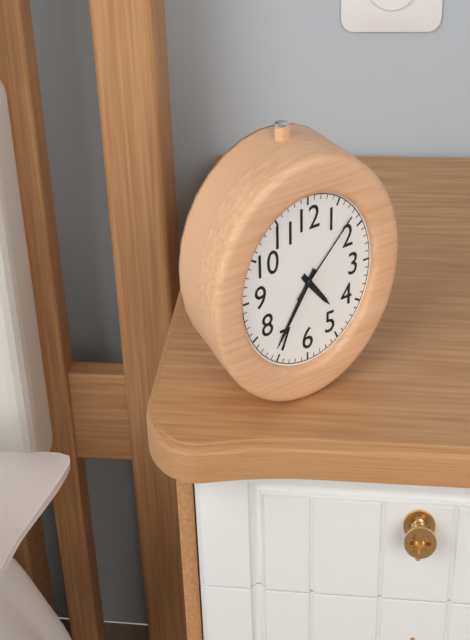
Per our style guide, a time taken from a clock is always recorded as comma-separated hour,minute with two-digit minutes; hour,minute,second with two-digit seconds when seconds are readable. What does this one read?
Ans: 4,36,08
